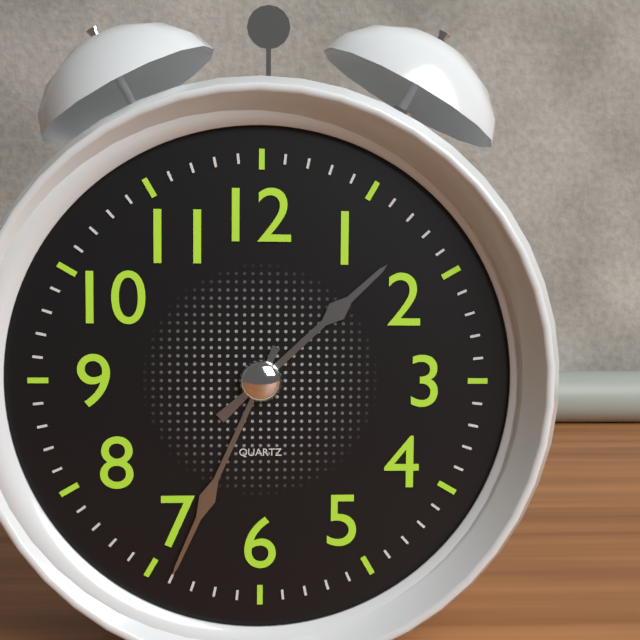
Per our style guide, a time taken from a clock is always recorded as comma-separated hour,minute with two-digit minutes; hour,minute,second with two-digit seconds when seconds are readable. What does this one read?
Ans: 1,34
